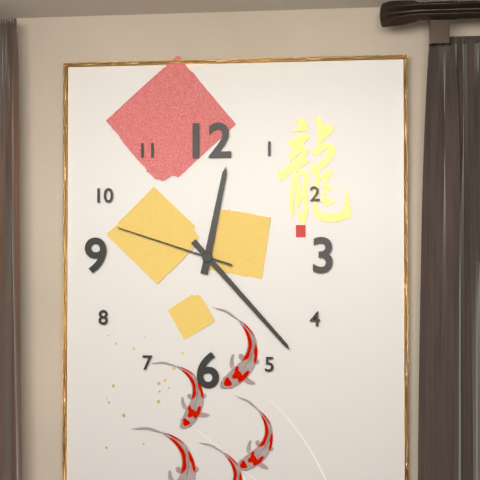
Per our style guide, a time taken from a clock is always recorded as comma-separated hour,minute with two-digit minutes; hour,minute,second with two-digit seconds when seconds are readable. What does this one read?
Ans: 12,23,48
